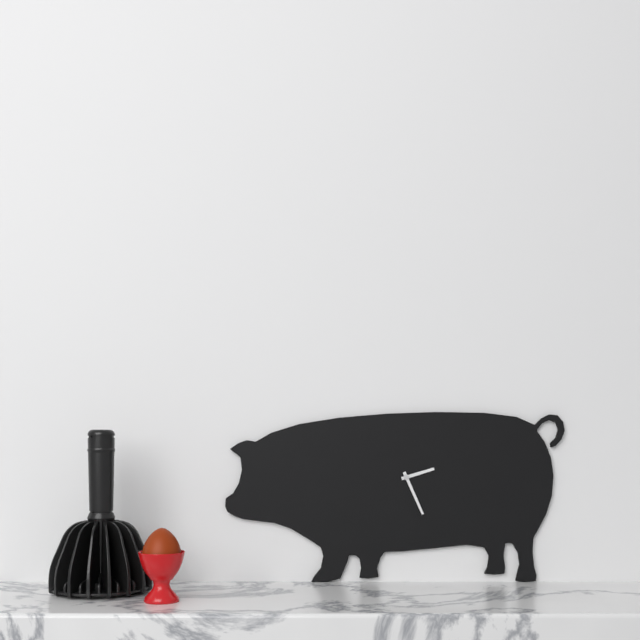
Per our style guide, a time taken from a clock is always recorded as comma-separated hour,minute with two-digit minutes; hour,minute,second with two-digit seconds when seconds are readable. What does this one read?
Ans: 2,26
